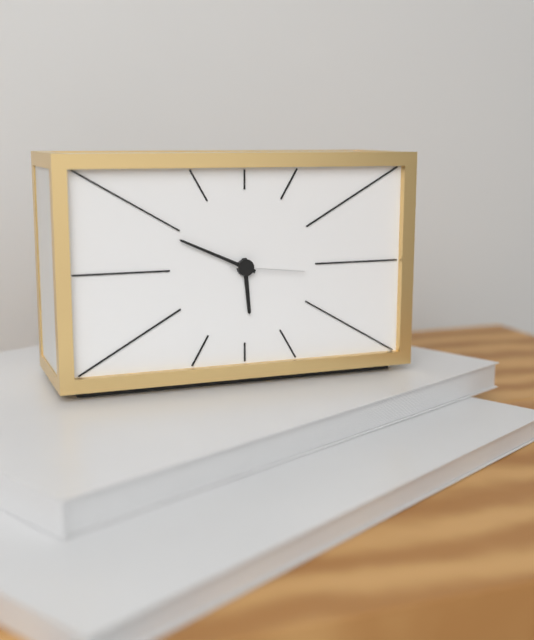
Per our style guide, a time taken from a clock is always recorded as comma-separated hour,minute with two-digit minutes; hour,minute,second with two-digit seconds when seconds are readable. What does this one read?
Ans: 5,49,16
